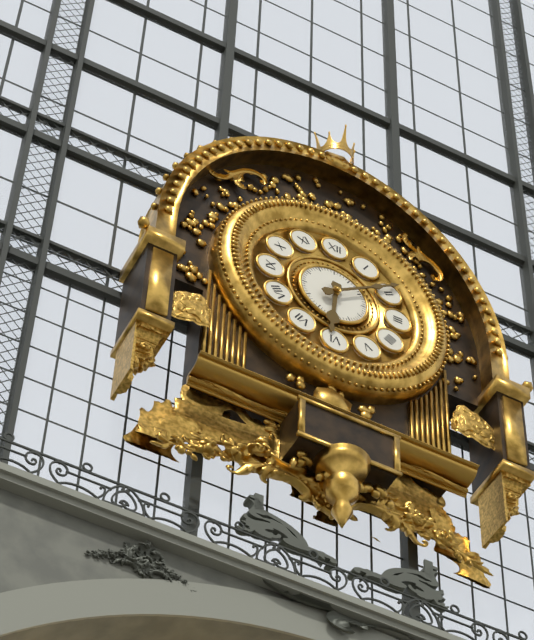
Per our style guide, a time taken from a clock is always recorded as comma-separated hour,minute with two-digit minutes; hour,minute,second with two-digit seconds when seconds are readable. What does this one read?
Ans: 6,09
